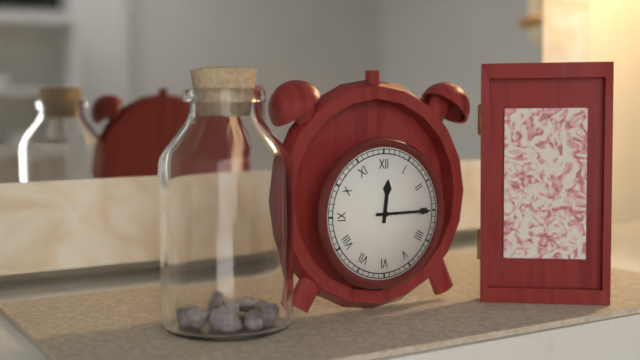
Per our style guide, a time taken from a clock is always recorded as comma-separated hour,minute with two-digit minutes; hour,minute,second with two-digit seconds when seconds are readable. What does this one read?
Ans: 12,15
